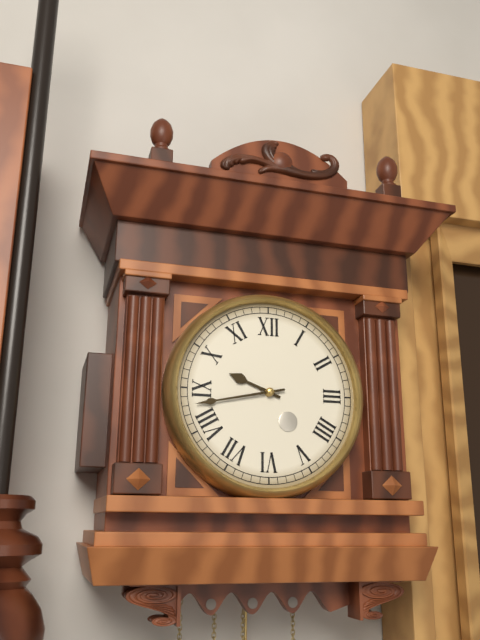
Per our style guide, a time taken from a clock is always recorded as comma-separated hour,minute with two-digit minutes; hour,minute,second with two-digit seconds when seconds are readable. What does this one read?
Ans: 9,43
